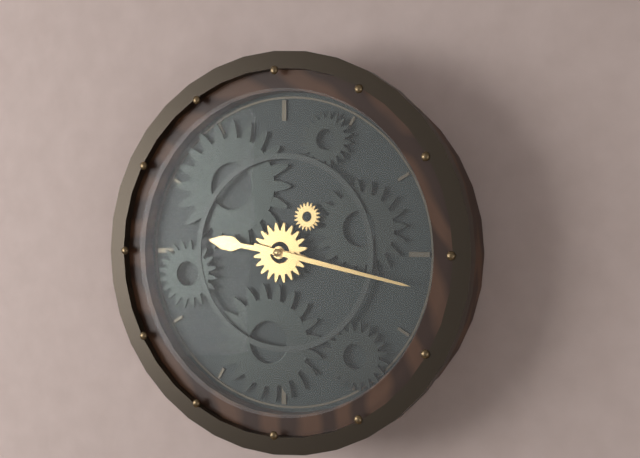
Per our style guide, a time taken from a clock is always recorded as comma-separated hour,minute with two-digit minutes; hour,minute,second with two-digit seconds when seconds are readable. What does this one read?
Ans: 9,17
